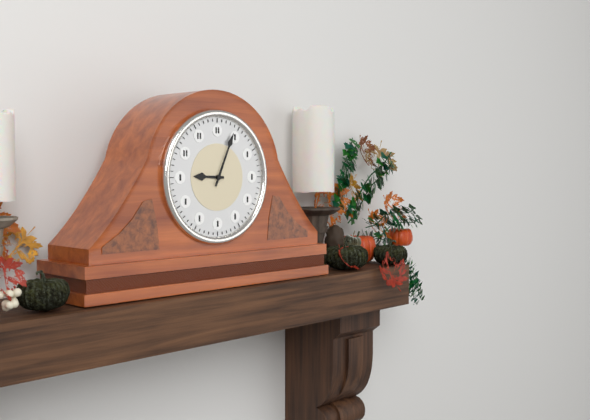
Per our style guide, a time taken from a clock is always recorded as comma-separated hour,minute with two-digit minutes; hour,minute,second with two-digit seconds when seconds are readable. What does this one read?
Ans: 9,04
